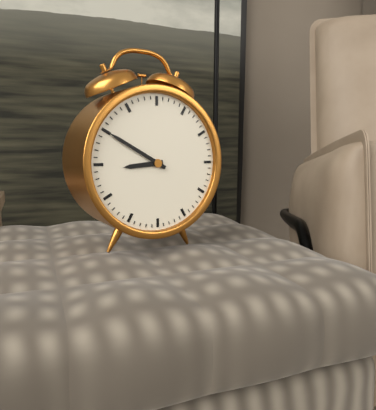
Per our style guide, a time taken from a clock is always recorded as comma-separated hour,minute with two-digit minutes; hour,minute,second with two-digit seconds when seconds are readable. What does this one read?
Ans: 8,50
